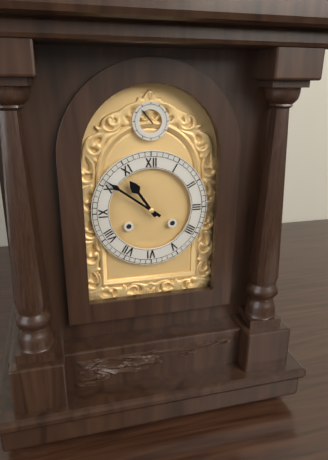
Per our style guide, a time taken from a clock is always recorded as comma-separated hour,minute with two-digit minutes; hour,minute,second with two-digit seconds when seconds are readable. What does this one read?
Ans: 10,51
